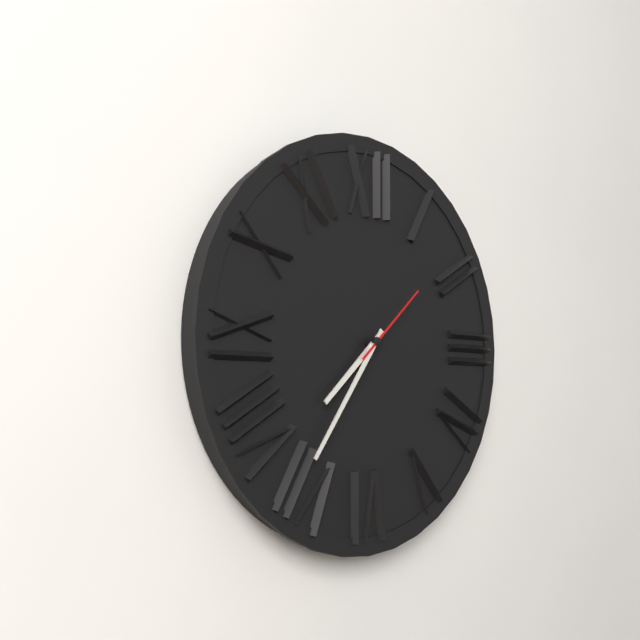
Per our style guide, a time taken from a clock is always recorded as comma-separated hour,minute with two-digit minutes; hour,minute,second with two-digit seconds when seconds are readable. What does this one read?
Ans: 7,36,08
